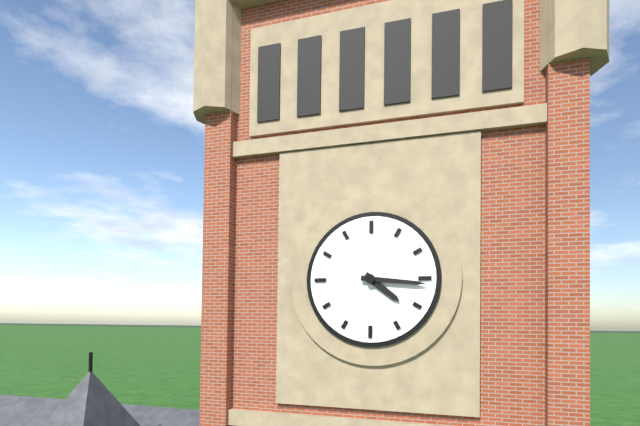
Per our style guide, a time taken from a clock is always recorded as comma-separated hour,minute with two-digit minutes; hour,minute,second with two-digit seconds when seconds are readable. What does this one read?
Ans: 4,16
